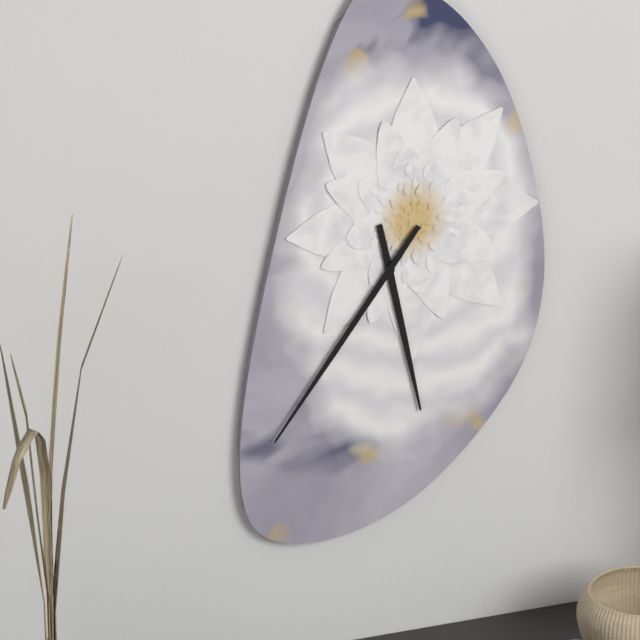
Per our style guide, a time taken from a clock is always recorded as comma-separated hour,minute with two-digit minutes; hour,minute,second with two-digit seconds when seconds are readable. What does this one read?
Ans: 5,36
